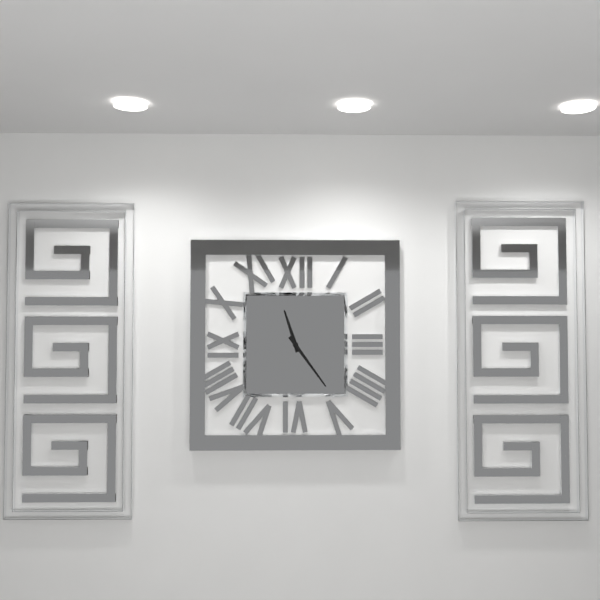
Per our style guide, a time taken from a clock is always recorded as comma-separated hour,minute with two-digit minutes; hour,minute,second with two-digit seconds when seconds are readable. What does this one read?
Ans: 11,24
